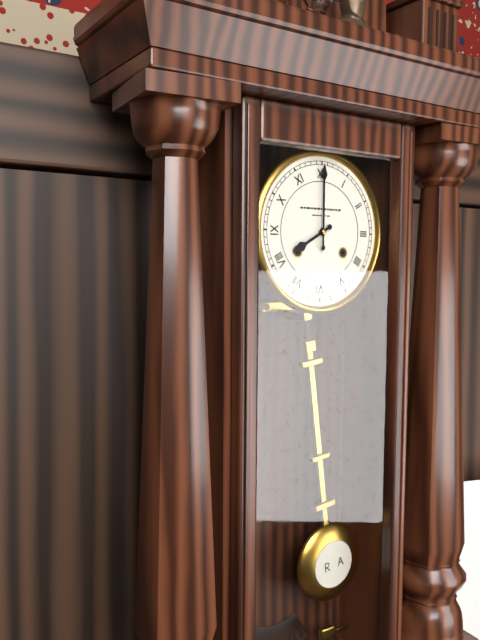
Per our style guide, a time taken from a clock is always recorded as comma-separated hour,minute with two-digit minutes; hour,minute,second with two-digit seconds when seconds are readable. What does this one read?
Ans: 8,00
